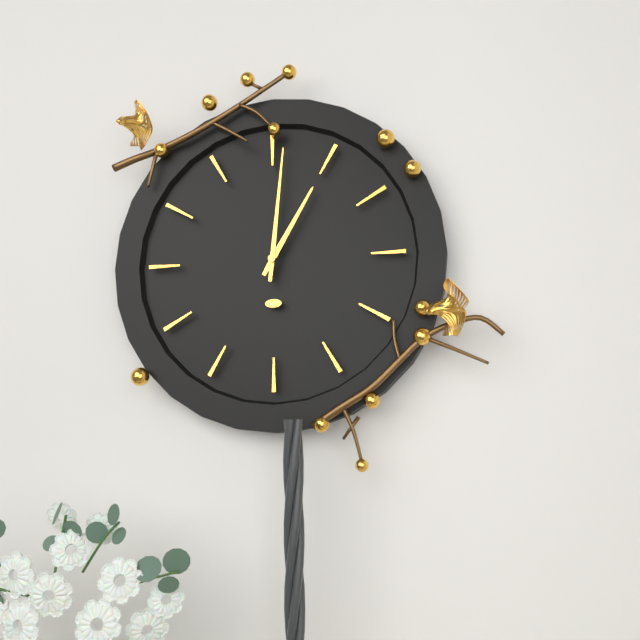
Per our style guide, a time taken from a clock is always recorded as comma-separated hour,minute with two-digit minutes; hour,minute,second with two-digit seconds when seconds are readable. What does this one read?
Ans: 1,01
